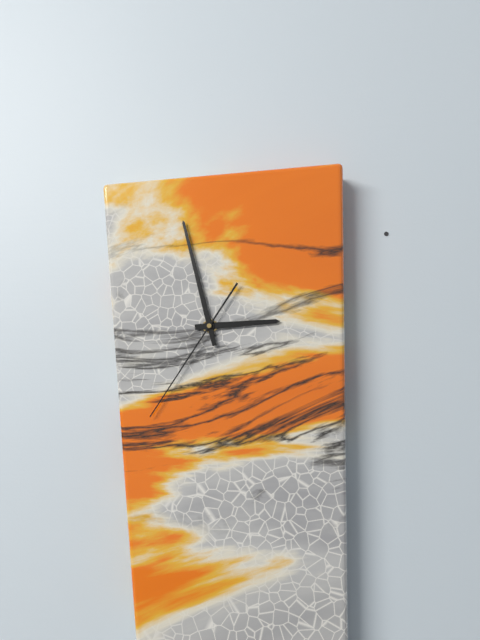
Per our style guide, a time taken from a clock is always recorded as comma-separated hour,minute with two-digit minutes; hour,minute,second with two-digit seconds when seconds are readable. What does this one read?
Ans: 2,58,36
